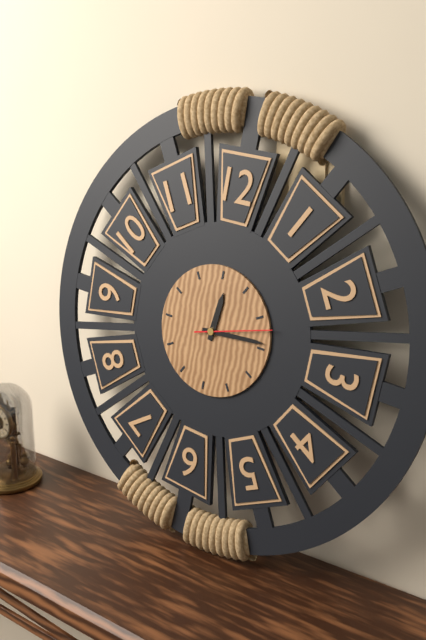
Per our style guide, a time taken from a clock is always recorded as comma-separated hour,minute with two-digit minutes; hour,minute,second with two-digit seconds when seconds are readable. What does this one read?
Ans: 12,14,12
